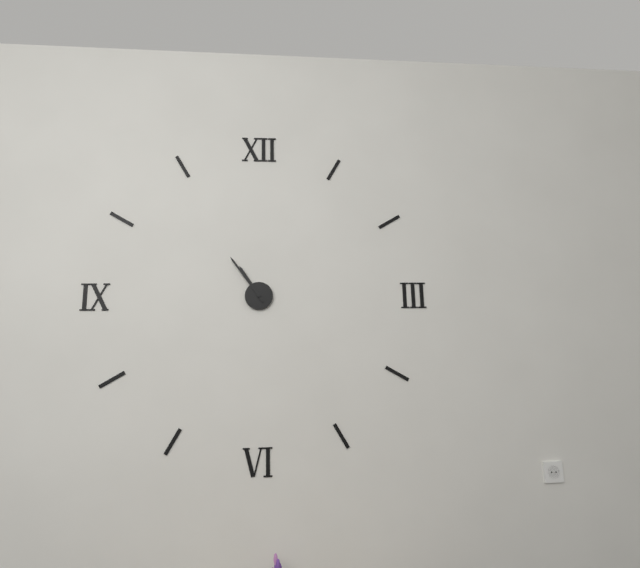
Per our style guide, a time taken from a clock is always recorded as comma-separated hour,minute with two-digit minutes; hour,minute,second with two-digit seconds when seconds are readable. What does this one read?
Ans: 10,54
